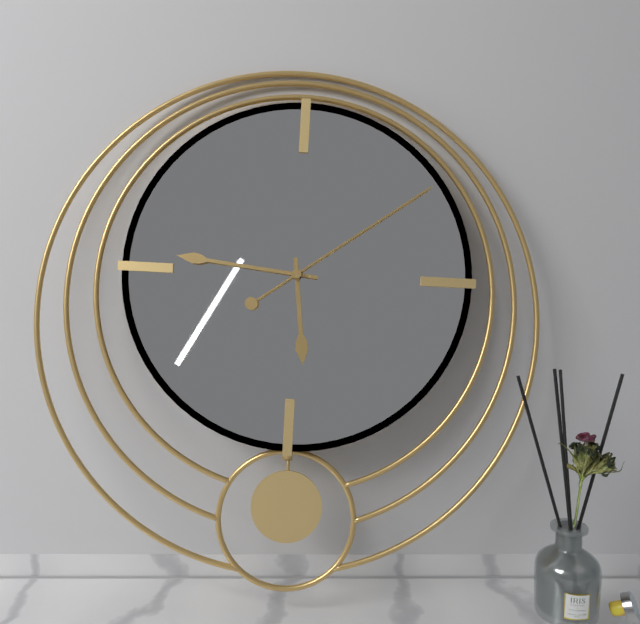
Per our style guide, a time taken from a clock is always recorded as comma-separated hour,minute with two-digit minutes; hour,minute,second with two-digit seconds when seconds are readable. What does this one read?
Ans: 5,46,09
